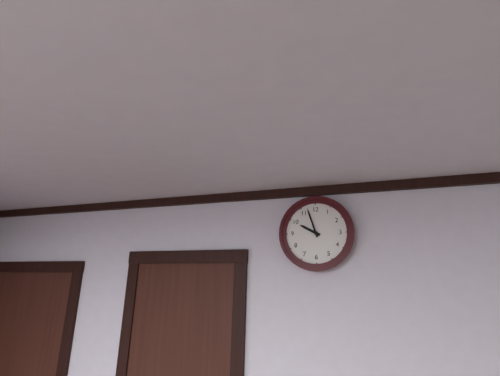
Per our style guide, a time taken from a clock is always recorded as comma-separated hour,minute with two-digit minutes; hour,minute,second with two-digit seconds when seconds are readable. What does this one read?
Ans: 9,57
